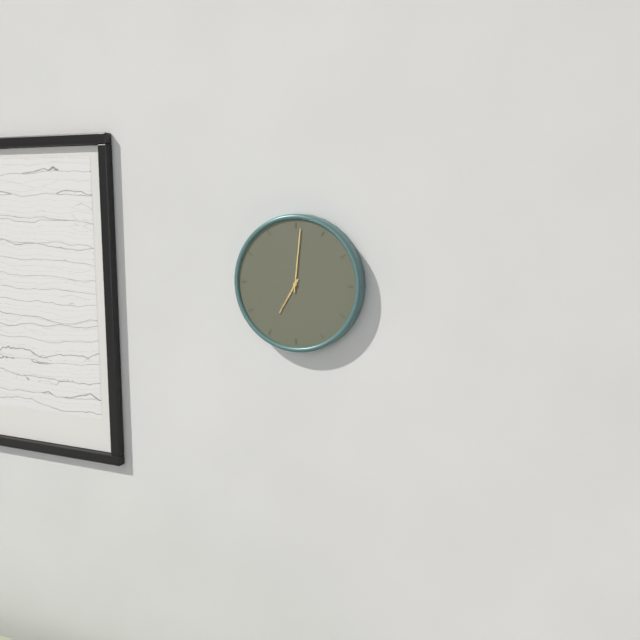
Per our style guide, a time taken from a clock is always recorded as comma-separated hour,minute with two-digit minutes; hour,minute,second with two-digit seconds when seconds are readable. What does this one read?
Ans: 7,01
